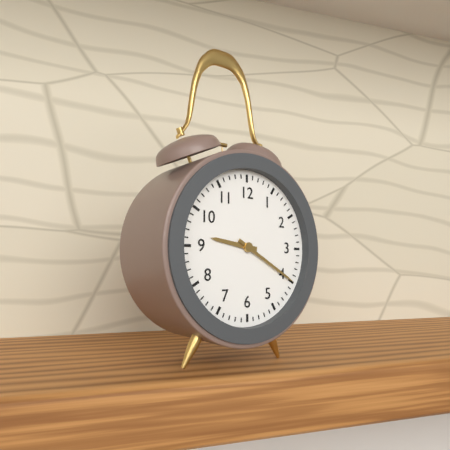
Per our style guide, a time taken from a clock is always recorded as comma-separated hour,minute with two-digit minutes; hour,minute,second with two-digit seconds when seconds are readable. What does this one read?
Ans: 9,20
